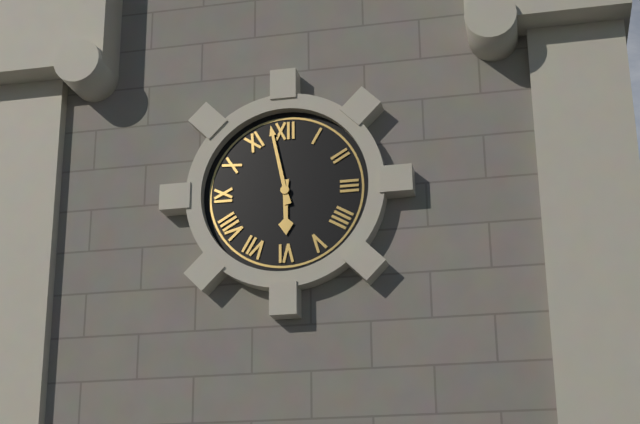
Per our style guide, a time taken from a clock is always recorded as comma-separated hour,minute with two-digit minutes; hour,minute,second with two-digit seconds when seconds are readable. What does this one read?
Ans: 5,58
